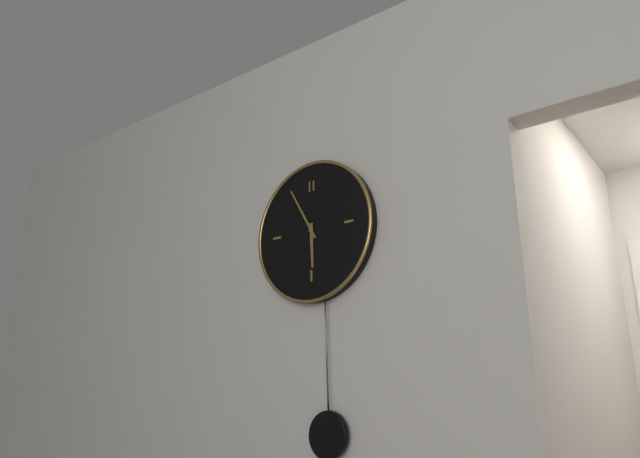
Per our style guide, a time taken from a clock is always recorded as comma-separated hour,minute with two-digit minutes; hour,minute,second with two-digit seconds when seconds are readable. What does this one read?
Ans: 5,55
